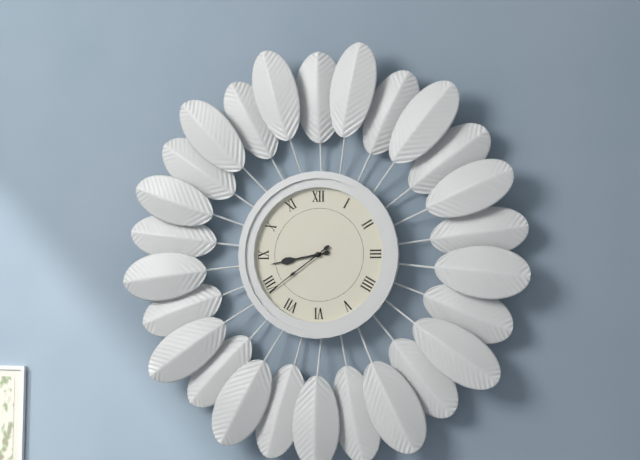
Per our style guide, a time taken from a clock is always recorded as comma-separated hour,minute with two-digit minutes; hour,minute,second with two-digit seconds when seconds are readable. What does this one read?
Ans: 8,39
